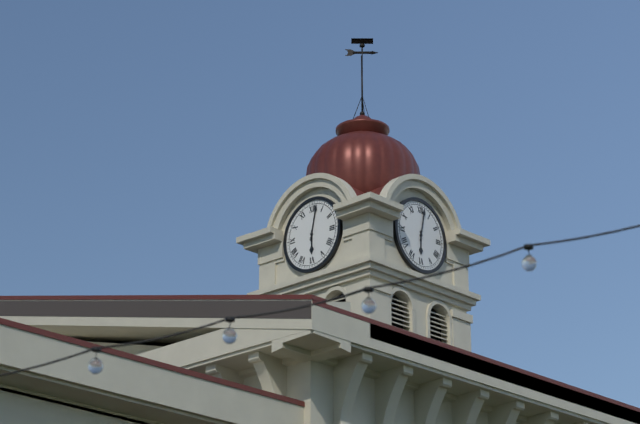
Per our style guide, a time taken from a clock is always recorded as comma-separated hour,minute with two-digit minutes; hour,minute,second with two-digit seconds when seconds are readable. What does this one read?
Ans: 6,02
